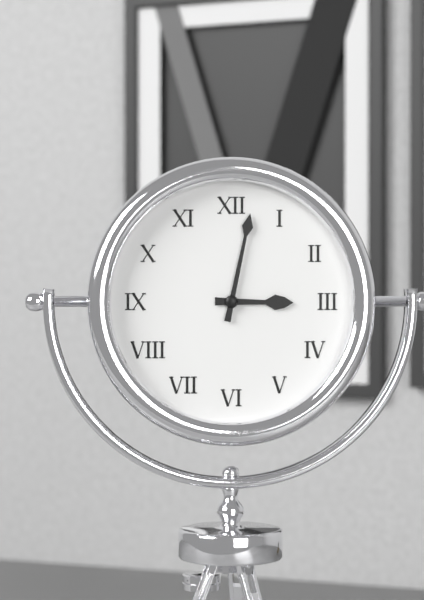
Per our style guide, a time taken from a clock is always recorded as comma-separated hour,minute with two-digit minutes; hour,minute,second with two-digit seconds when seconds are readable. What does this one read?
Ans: 3,02
